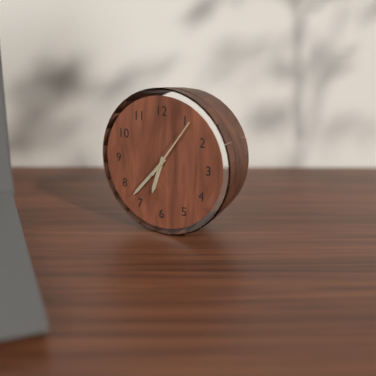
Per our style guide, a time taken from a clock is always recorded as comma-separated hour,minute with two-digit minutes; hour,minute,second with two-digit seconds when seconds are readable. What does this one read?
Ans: 6,37,06
